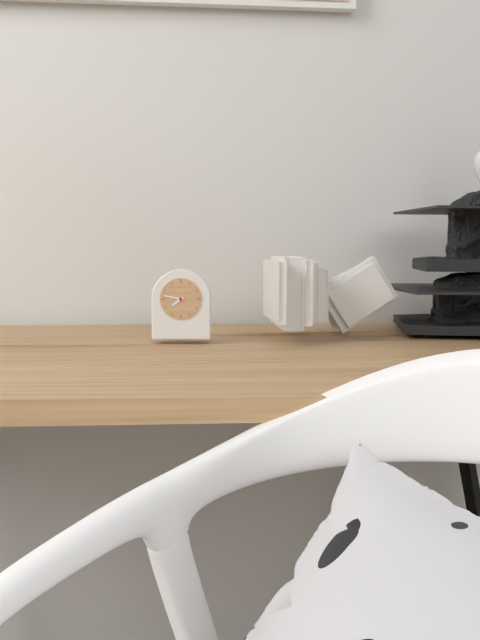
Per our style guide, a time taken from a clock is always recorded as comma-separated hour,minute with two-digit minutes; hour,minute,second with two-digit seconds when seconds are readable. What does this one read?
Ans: 7,47
